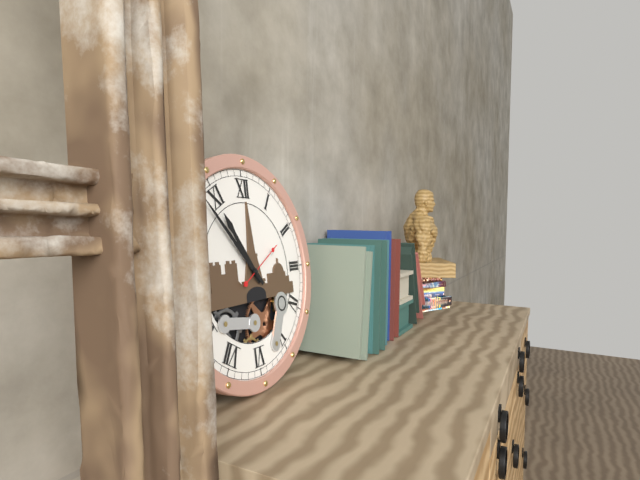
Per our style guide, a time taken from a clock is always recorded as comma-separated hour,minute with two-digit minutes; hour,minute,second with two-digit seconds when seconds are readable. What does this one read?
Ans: 10,53,10
